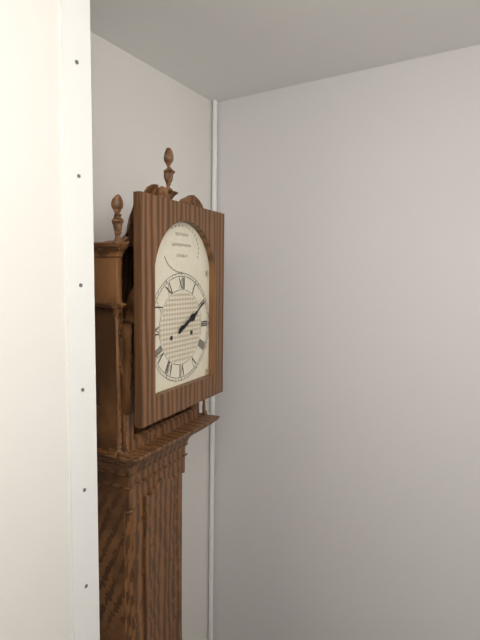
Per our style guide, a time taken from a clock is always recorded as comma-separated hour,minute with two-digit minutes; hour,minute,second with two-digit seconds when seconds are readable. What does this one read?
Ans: 2,10
